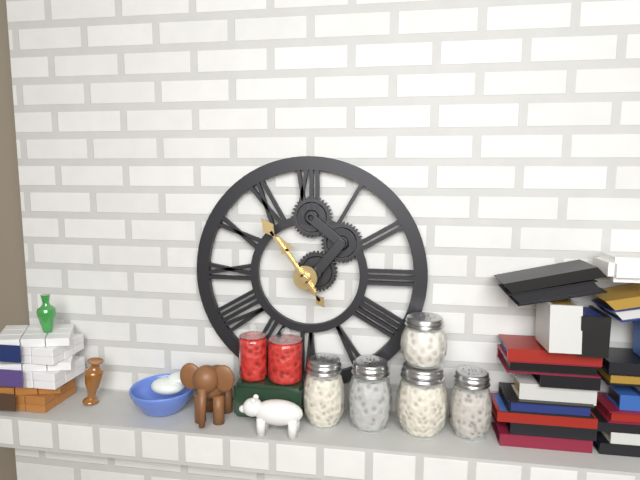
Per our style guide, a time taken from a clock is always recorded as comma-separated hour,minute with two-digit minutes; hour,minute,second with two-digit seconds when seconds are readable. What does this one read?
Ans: 10,54
